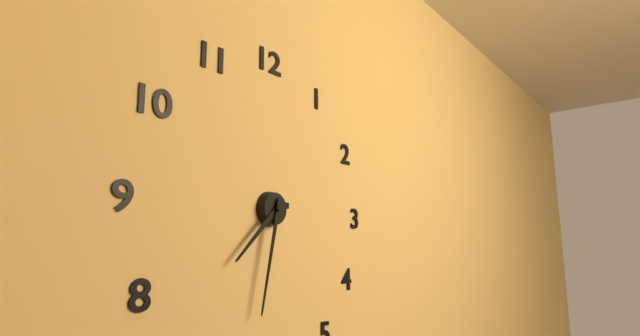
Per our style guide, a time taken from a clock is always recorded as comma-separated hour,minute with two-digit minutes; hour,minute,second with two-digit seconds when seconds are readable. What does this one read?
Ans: 7,32
